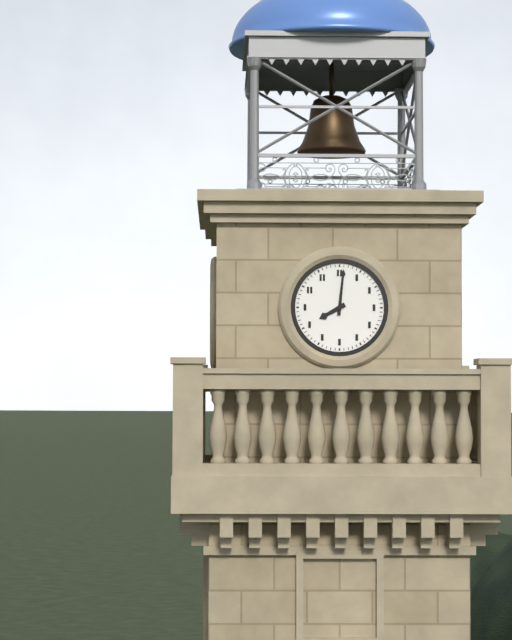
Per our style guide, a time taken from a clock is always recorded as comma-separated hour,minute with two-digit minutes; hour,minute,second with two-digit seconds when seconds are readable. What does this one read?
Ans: 8,01
